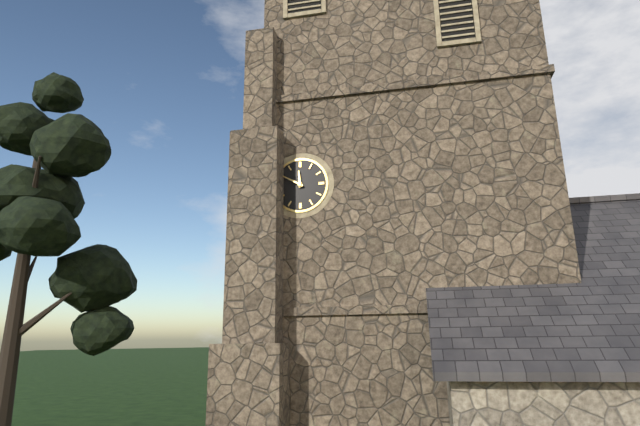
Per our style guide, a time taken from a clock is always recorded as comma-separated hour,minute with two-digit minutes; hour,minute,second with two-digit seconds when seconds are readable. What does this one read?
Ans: 11,50
